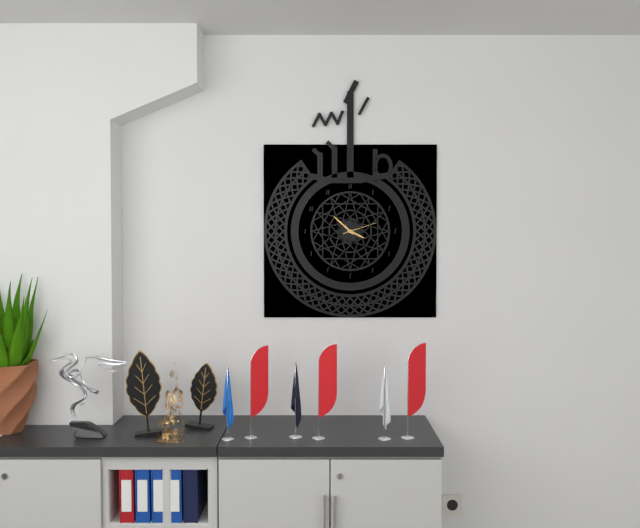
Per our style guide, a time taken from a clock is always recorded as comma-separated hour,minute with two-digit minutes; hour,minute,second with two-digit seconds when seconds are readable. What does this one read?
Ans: 3,52
